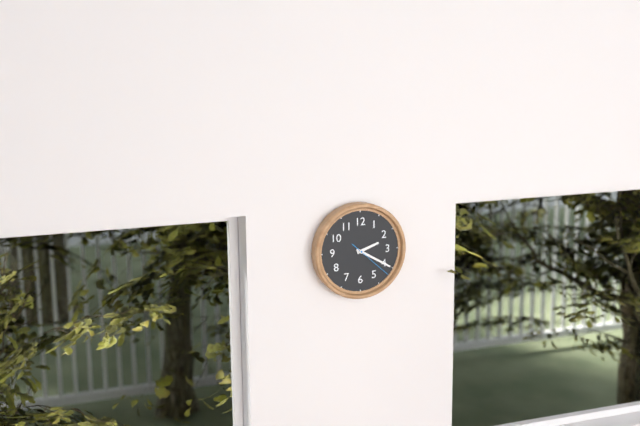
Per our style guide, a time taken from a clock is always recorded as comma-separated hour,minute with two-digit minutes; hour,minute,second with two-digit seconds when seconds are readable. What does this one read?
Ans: 2,20
